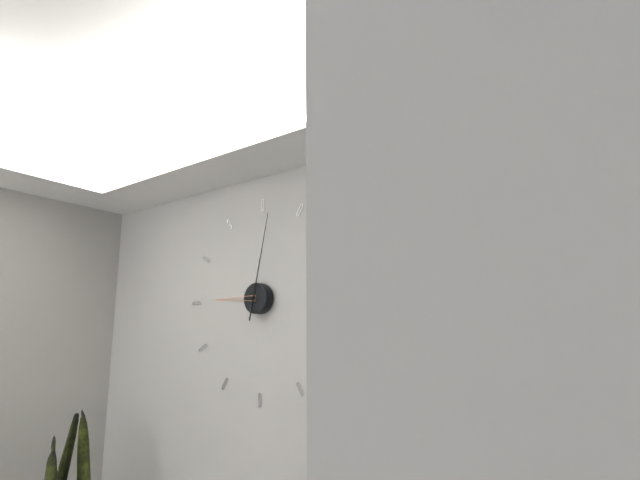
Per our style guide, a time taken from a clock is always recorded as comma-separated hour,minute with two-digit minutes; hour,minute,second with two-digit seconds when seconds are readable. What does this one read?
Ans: 9,02
